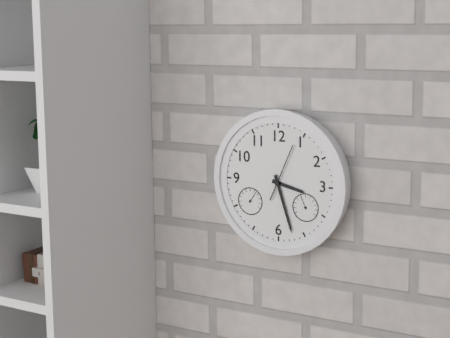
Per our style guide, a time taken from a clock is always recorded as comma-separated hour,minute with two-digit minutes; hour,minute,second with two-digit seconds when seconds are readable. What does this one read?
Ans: 3,27,04
